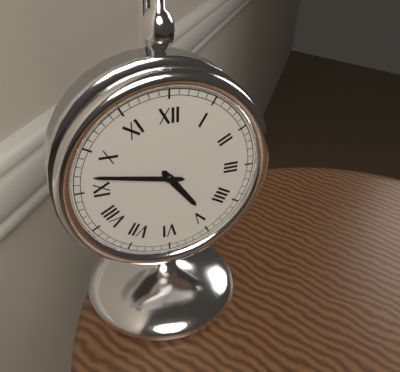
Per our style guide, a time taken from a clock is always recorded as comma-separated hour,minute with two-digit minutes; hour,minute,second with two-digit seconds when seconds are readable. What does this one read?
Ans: 4,47
